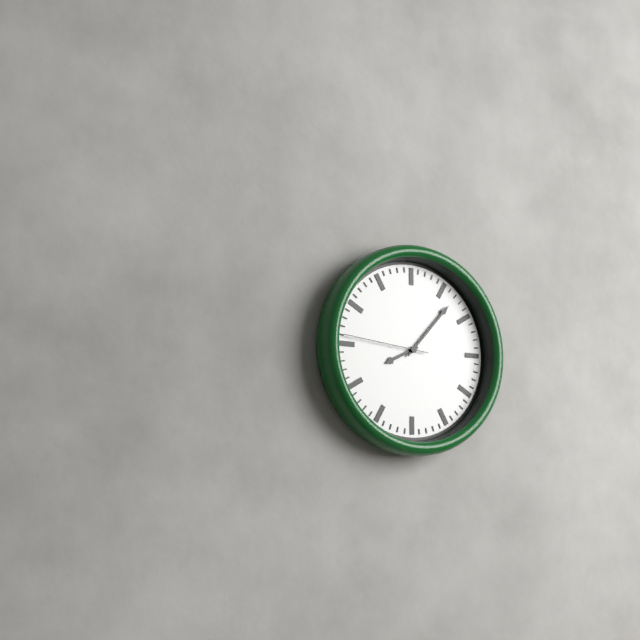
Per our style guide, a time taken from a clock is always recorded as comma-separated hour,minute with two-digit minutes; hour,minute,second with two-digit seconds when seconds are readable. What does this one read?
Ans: 8,07,46
